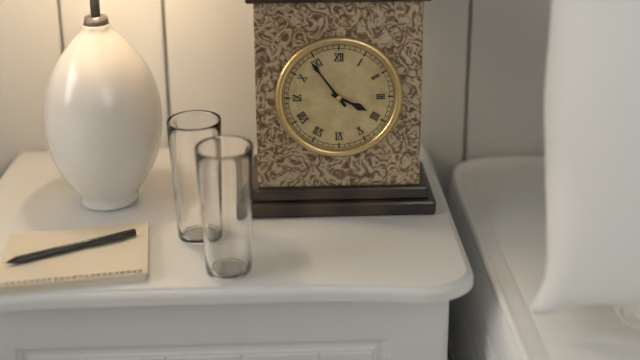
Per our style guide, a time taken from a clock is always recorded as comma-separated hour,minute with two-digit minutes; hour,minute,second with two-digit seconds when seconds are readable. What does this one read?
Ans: 3,54
